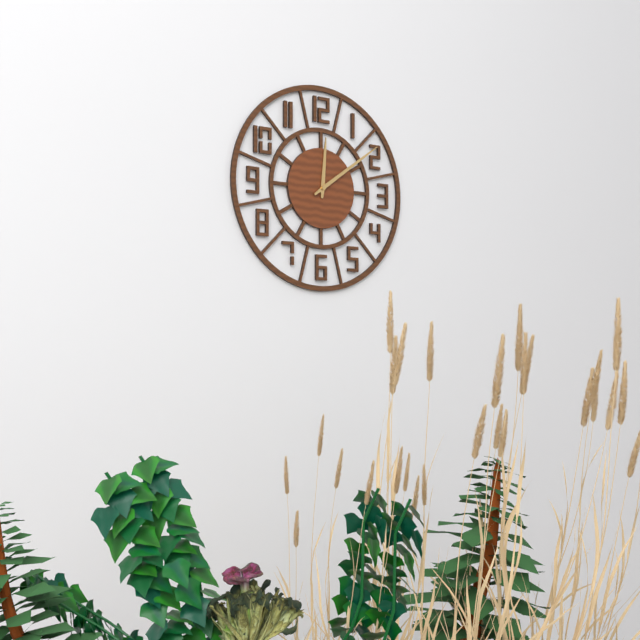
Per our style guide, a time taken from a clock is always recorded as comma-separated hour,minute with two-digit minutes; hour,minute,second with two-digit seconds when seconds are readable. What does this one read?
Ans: 12,09
